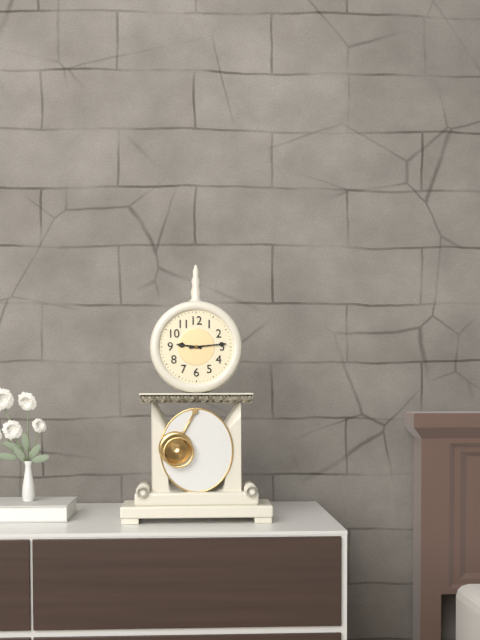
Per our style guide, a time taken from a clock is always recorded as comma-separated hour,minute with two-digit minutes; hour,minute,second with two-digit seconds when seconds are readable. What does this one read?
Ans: 9,14
